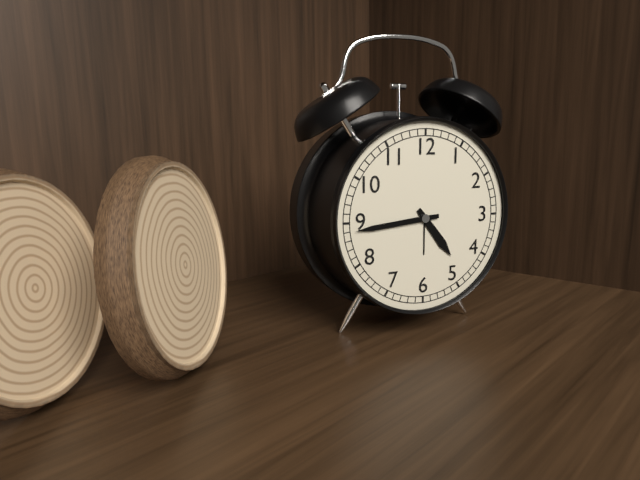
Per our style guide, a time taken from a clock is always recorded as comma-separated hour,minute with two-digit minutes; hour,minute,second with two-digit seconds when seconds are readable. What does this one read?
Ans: 4,44
